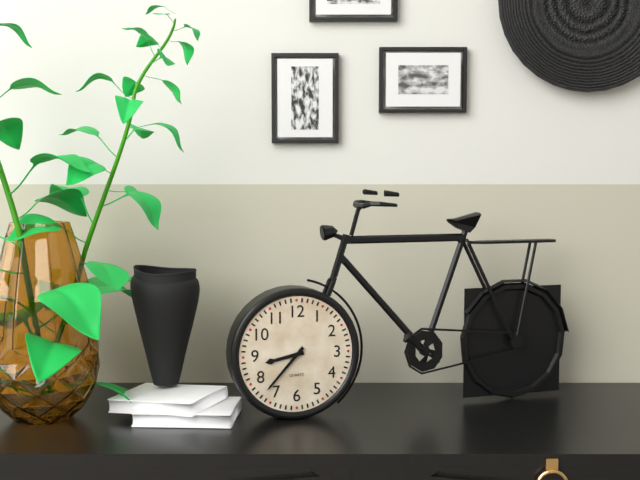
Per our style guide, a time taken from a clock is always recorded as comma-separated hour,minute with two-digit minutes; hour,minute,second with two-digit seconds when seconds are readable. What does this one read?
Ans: 8,37
